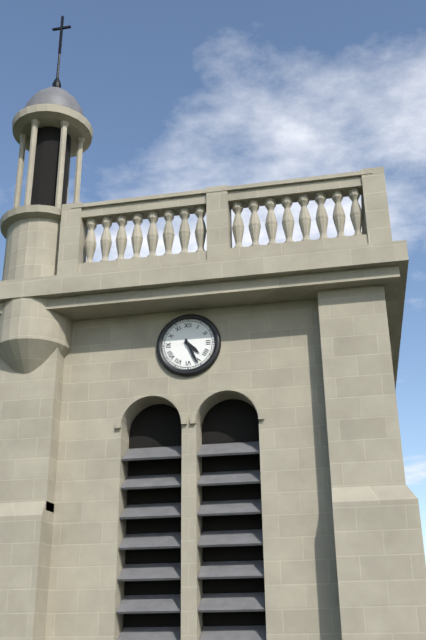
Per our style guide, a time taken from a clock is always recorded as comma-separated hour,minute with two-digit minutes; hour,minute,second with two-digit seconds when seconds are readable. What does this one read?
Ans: 4,26
